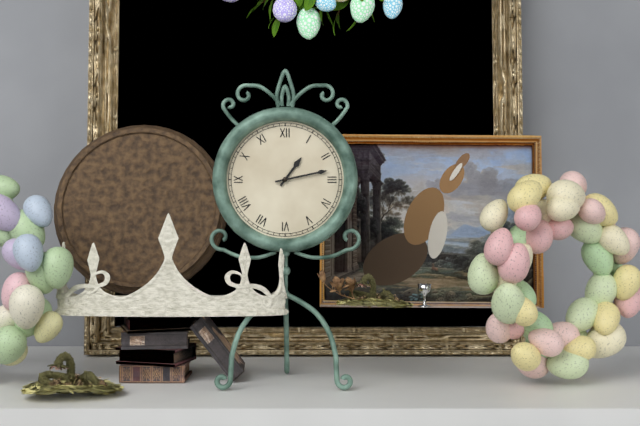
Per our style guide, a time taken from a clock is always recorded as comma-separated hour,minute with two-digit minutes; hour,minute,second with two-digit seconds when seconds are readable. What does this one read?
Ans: 1,13
